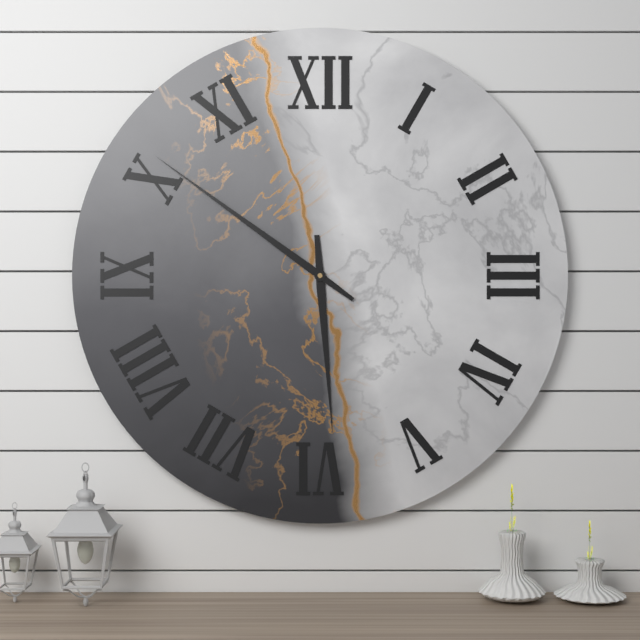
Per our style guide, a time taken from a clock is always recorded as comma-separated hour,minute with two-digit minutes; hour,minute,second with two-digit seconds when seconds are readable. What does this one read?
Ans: 5,51
